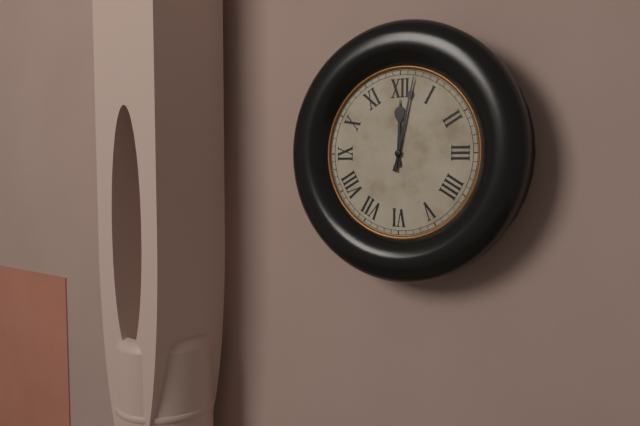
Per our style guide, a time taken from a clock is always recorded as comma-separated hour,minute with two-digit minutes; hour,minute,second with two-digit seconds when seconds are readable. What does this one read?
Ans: 12,02
